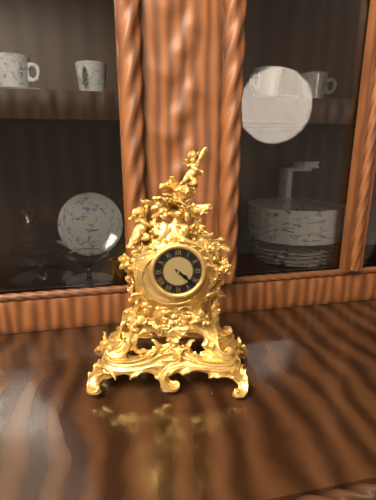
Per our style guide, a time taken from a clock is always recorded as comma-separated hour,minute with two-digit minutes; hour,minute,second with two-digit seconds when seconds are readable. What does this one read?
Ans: 4,22
